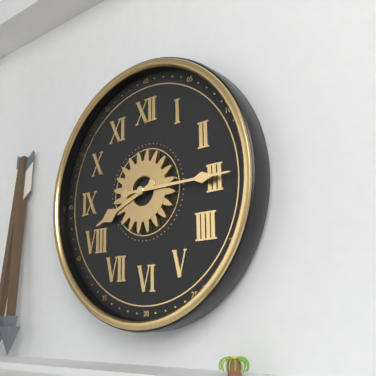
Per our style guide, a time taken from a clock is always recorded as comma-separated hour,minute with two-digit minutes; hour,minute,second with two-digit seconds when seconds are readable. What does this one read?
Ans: 8,15
